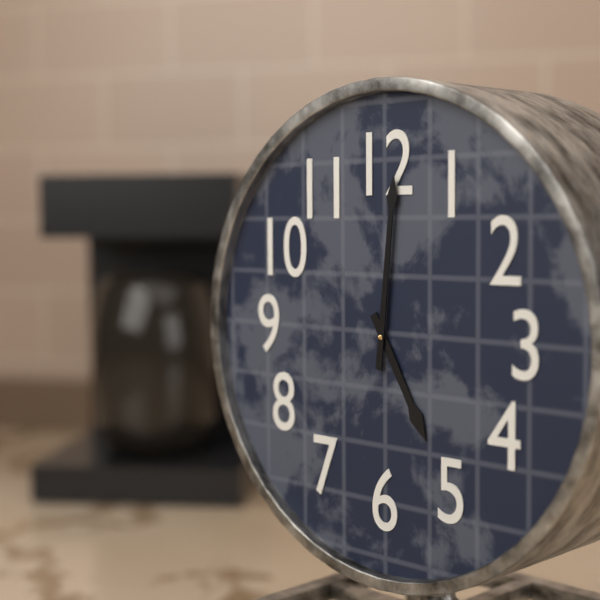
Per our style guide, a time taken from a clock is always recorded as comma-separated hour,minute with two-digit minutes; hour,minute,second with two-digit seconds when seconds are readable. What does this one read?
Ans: 5,01
